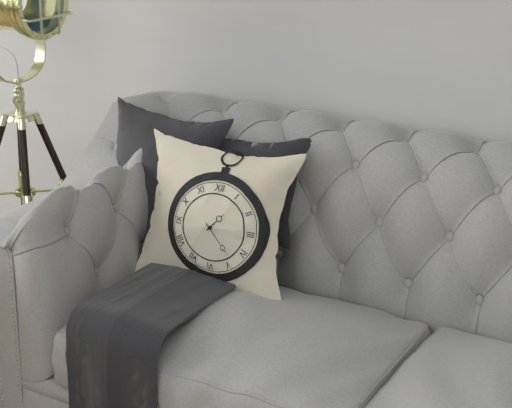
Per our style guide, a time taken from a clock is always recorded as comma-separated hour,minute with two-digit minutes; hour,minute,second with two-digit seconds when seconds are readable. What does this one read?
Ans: 1,22
